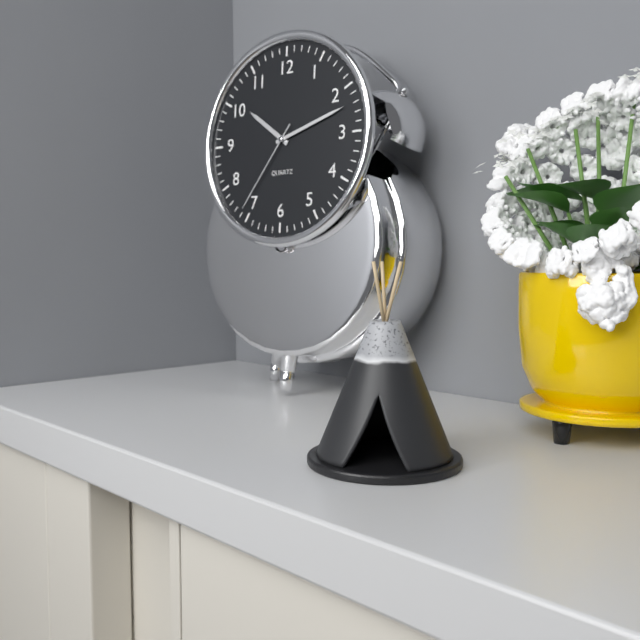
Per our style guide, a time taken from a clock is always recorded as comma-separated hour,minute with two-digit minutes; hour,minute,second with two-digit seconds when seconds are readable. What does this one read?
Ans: 10,12,36
